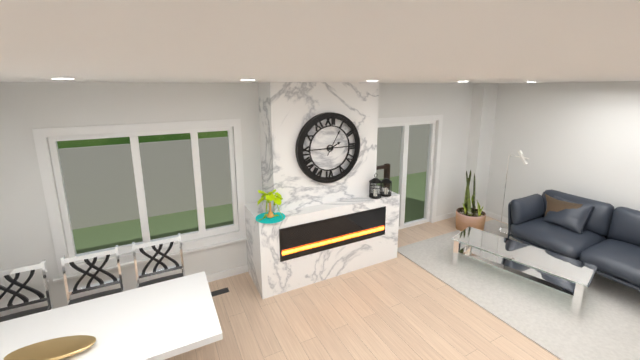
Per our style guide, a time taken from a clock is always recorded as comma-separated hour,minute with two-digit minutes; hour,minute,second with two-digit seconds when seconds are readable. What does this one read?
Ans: 2,05
